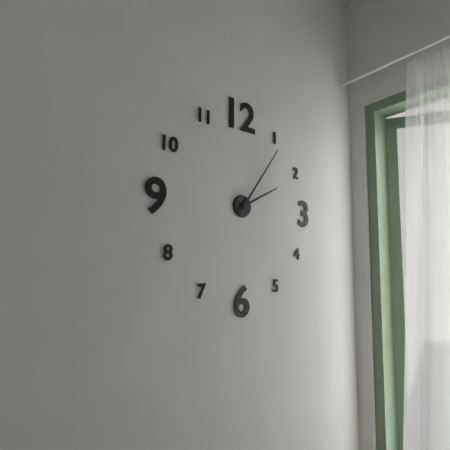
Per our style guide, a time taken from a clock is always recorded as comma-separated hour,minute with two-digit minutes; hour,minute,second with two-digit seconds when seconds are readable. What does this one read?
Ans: 2,06
